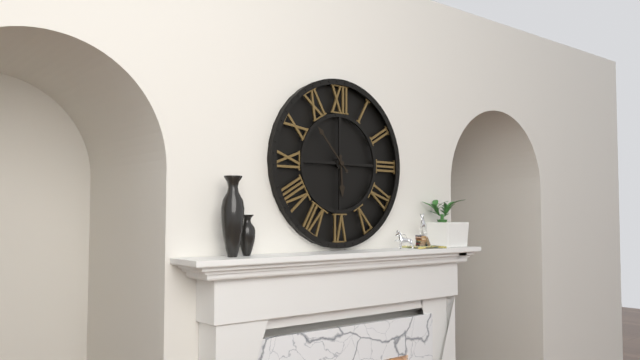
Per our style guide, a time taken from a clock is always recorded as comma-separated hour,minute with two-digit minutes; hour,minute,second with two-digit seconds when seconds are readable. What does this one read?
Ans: 5,53
